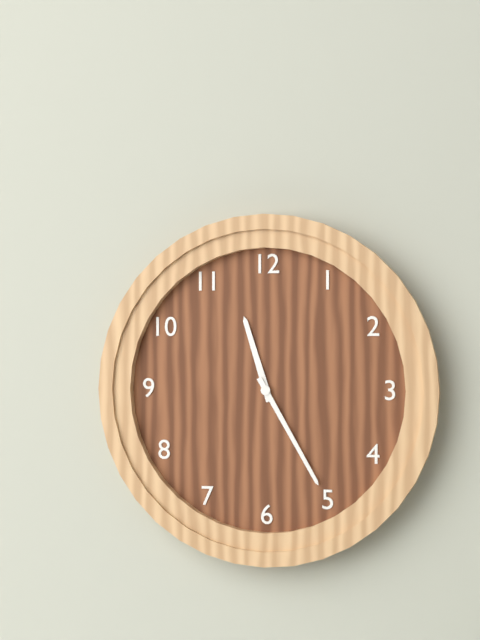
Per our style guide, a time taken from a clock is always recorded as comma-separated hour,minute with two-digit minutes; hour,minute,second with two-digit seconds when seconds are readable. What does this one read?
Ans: 11,25
